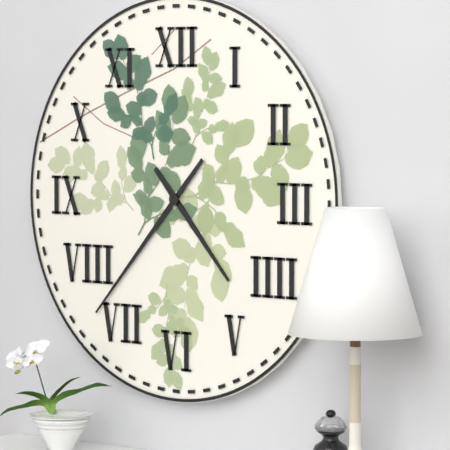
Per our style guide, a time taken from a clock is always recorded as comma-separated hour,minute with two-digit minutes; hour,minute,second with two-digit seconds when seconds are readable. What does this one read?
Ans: 4,37
